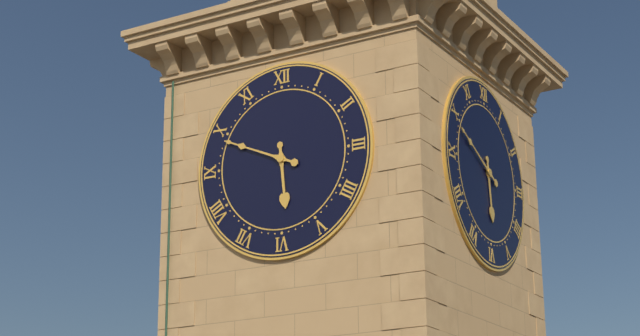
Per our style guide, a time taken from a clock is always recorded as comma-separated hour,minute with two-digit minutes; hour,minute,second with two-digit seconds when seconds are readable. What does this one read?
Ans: 5,49
